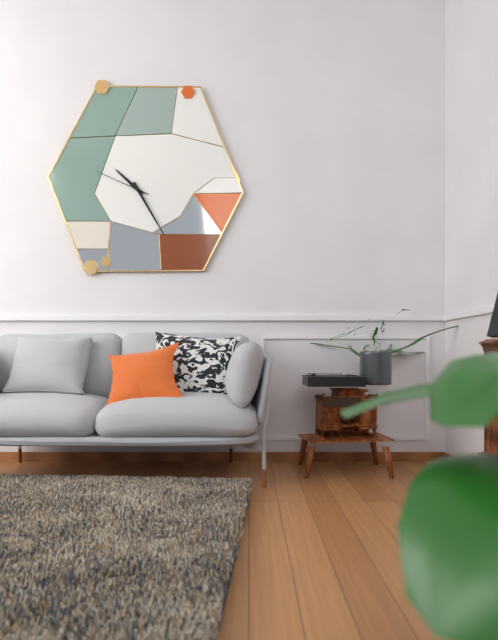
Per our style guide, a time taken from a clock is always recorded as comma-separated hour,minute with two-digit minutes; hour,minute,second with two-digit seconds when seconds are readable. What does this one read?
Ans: 10,25,49
